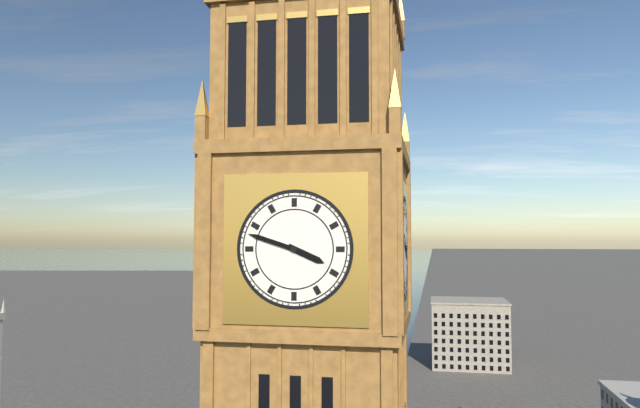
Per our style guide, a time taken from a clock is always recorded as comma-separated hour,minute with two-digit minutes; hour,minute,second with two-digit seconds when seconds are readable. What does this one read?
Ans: 3,48
